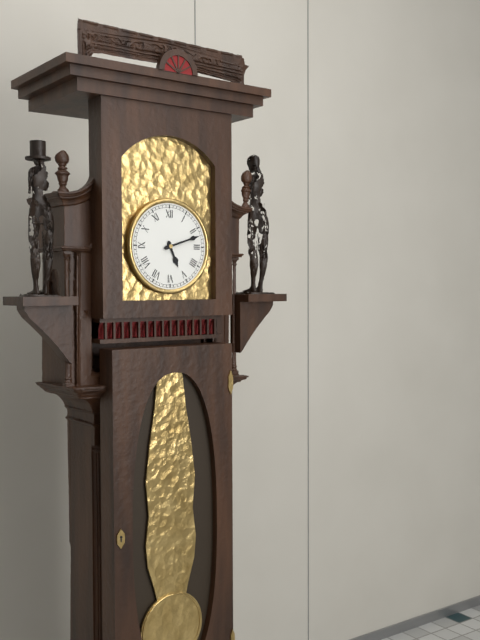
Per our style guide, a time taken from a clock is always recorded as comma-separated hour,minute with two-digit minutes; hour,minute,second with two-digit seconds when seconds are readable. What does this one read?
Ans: 5,12
